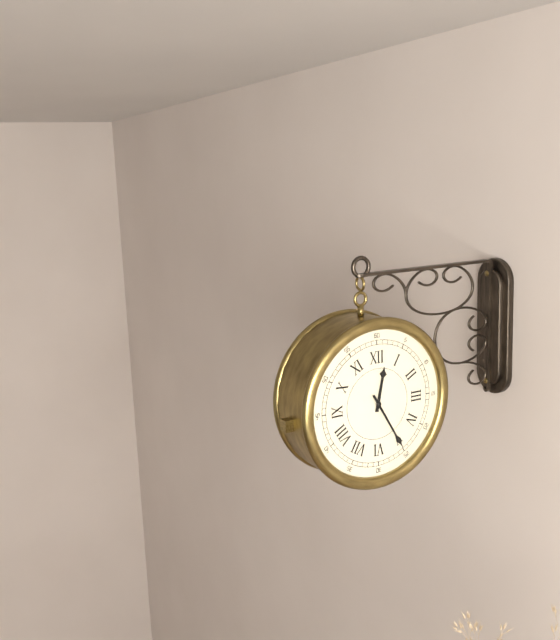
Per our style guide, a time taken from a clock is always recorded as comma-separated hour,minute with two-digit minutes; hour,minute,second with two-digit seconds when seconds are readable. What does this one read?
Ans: 12,25
